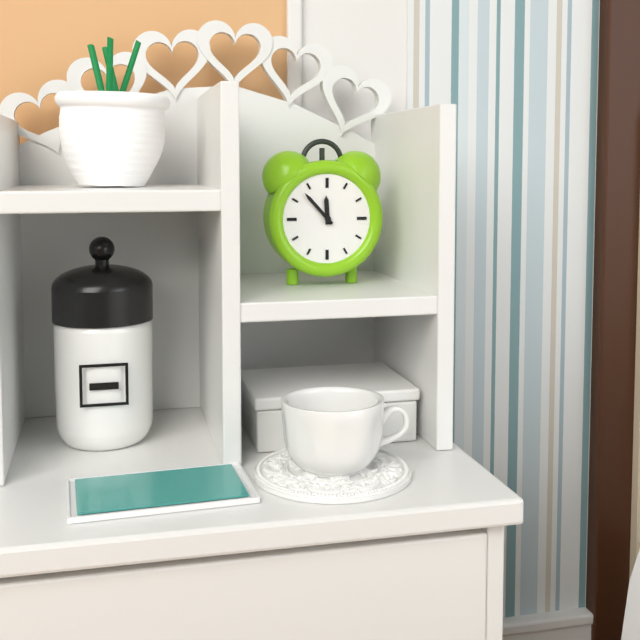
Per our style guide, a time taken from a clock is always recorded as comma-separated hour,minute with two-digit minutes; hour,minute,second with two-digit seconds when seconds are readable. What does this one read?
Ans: 11,53
